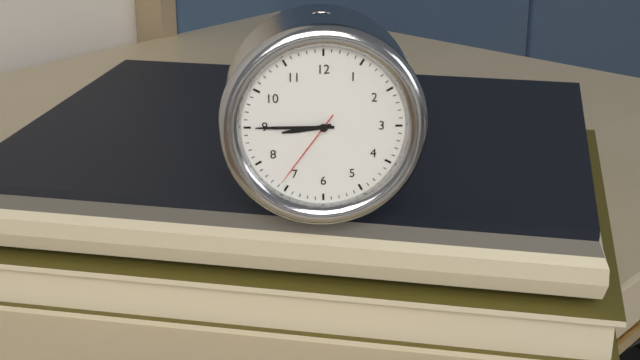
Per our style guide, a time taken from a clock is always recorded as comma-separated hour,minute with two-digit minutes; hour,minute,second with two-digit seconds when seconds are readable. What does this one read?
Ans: 8,45,36
